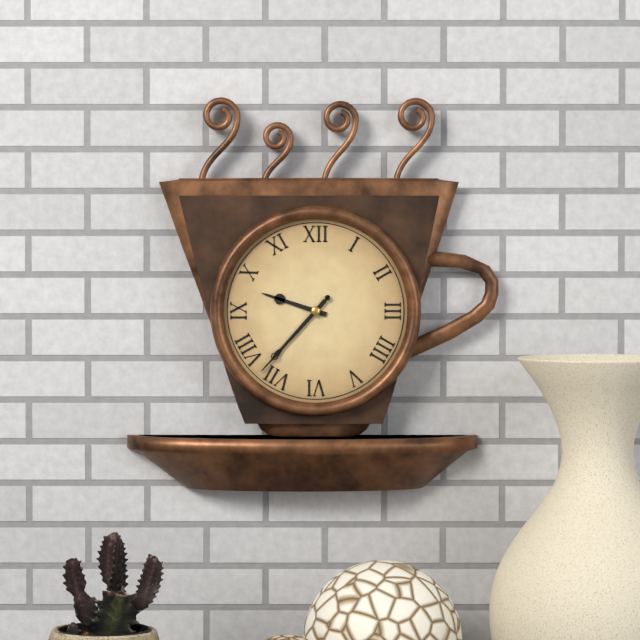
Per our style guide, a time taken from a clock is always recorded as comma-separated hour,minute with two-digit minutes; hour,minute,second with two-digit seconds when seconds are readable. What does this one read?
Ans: 9,37,37
